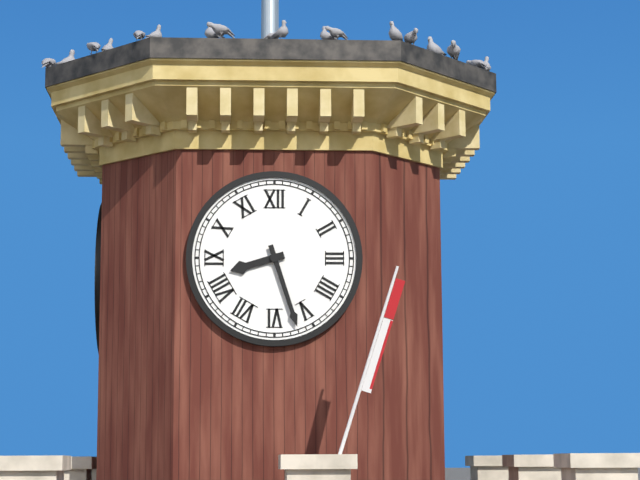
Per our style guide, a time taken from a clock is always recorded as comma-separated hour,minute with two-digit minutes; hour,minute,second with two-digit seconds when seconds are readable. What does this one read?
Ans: 8,27
